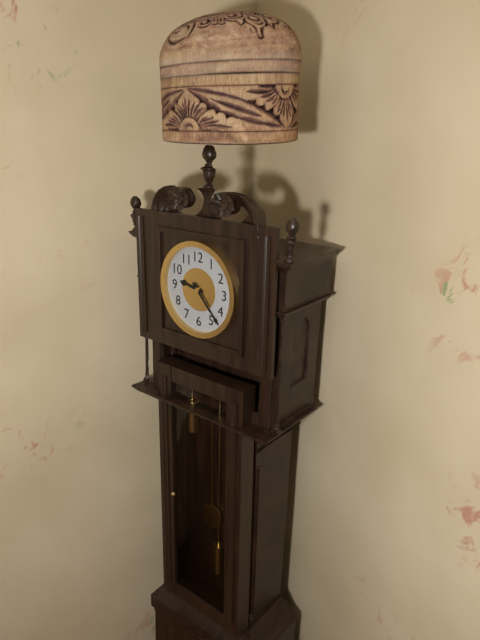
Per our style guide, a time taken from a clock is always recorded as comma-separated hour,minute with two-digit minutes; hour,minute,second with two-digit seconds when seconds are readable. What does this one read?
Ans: 9,23
